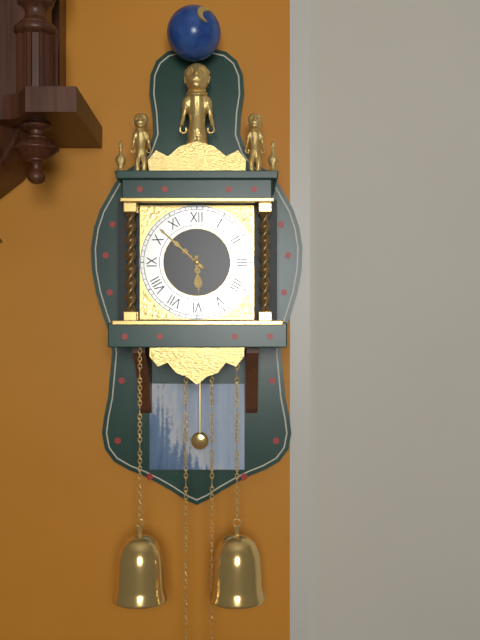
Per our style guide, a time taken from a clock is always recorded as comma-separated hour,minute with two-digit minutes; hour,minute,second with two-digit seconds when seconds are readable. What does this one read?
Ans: 5,52
